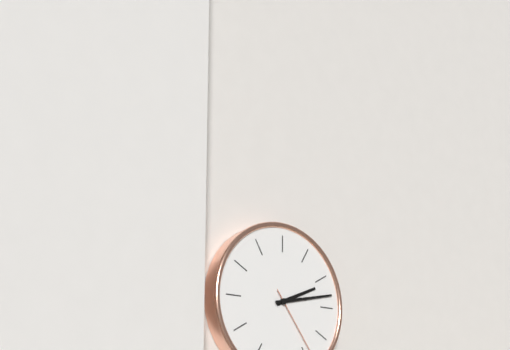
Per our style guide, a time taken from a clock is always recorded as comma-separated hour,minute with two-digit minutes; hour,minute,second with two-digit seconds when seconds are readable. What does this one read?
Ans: 2,13
